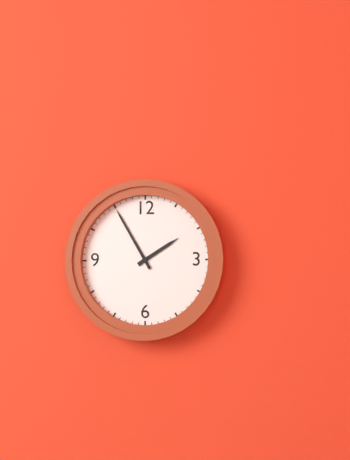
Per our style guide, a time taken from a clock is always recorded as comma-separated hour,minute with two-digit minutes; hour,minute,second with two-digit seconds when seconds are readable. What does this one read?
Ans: 1,55
